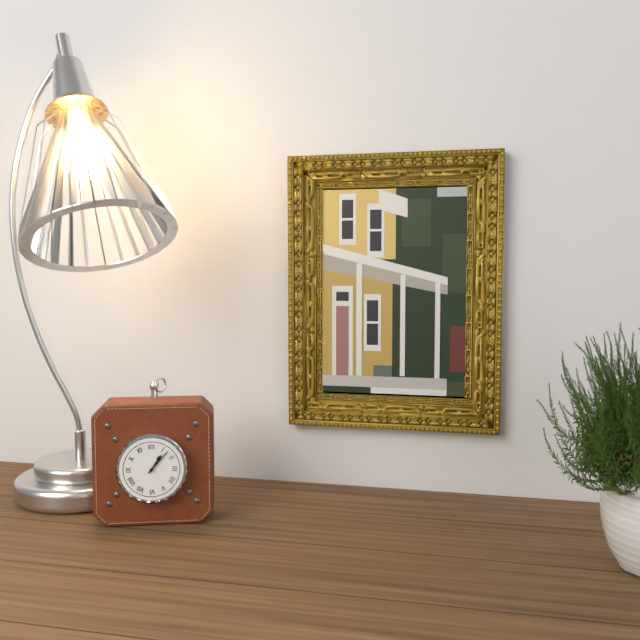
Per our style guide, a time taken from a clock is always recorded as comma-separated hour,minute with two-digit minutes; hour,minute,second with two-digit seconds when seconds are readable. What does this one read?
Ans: 1,07
